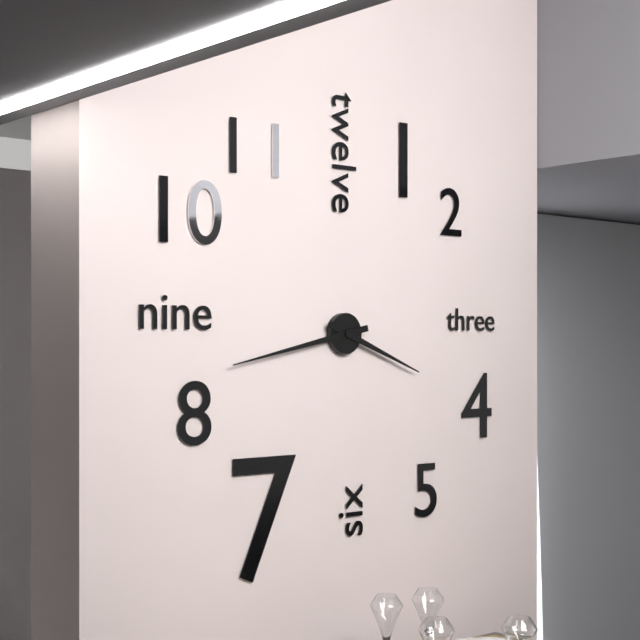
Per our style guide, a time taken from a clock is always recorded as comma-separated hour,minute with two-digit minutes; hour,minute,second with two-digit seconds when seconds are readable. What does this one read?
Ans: 3,43
